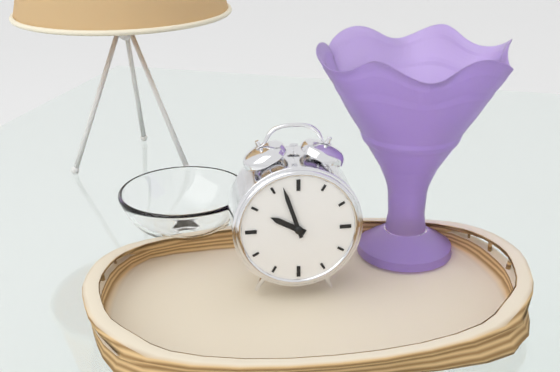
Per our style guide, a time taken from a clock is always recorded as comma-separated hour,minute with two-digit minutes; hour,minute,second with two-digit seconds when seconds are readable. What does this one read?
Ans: 9,57
